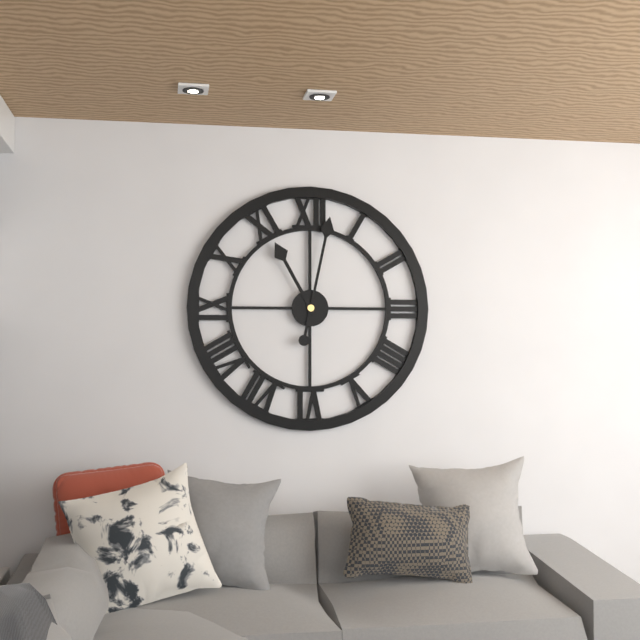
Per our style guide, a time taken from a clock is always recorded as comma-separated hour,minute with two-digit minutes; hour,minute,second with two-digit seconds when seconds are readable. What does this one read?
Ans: 11,02
